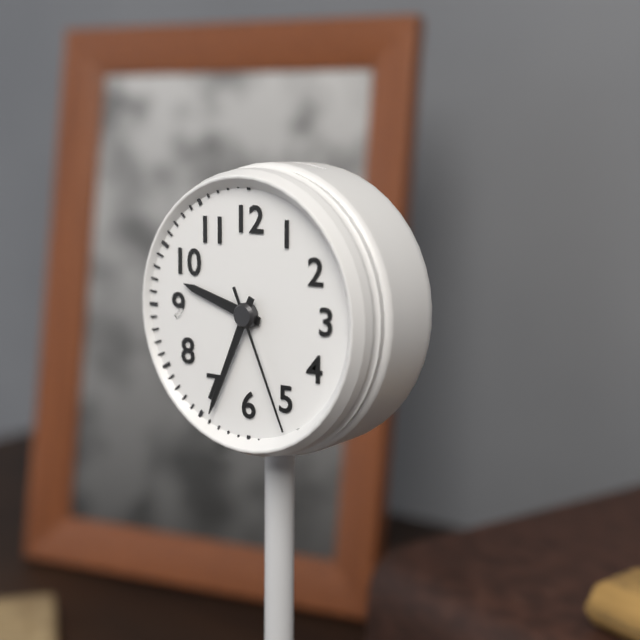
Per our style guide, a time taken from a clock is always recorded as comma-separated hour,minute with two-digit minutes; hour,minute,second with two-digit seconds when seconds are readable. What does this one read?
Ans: 9,34,26
